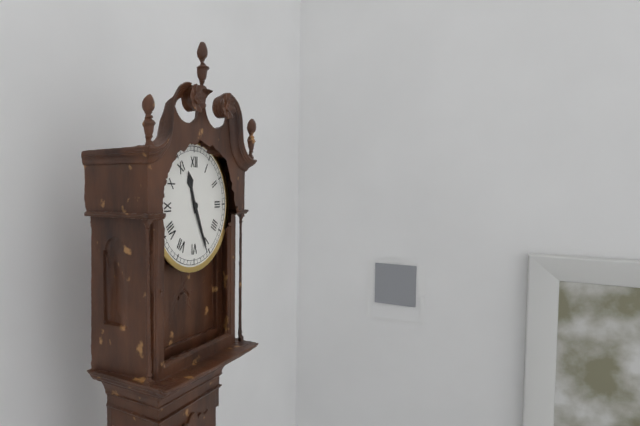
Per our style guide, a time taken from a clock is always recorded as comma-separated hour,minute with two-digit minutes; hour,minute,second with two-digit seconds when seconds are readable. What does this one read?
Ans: 11,26
